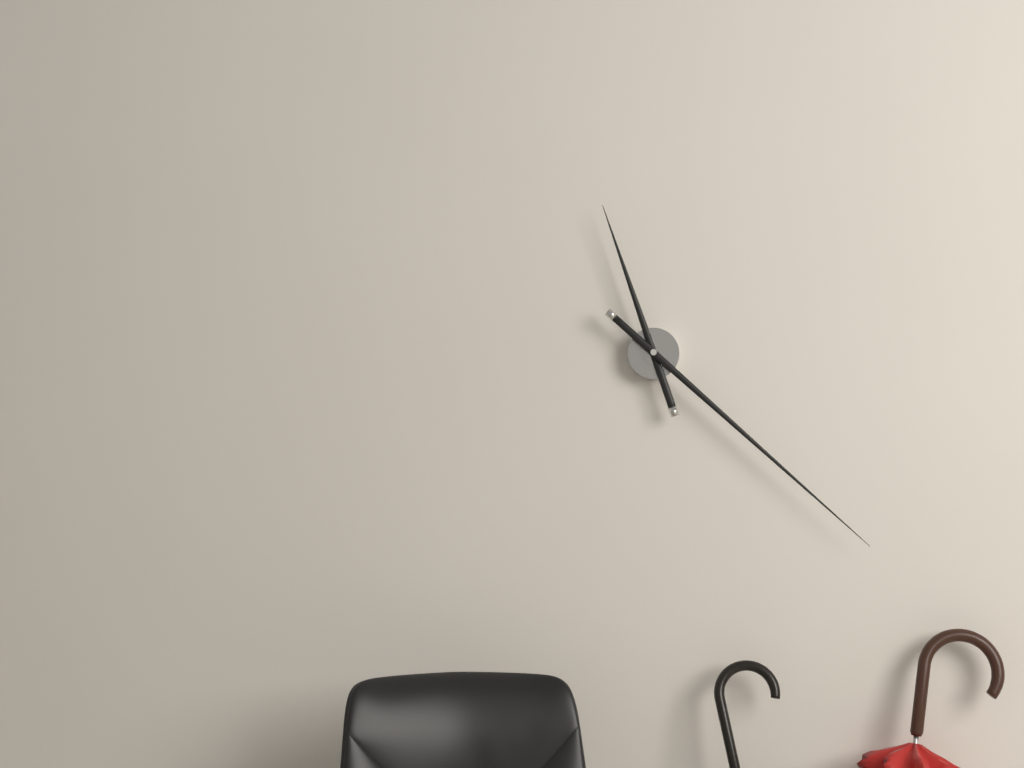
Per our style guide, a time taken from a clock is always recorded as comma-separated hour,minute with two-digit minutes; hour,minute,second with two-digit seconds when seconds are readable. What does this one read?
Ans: 11,22
